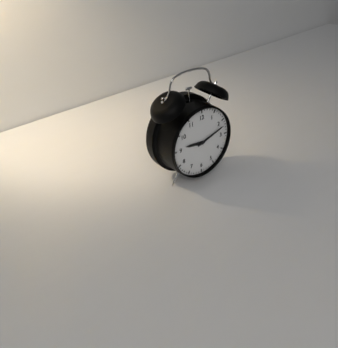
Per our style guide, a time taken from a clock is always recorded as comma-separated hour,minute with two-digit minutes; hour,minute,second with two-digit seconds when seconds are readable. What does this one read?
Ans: 9,12
